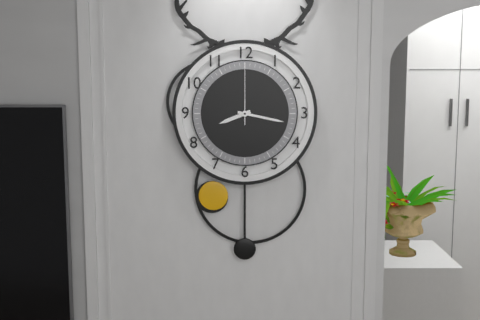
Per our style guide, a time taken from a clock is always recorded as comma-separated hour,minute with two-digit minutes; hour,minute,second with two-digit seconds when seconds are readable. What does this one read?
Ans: 8,17,00
